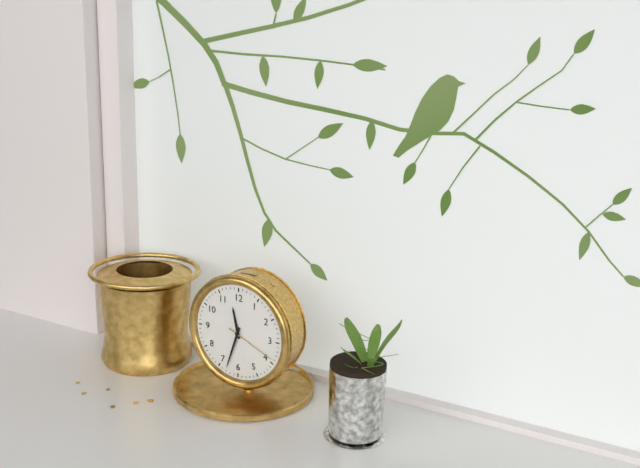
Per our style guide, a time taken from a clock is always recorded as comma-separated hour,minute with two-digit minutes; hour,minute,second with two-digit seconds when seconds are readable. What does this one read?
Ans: 11,33,19
